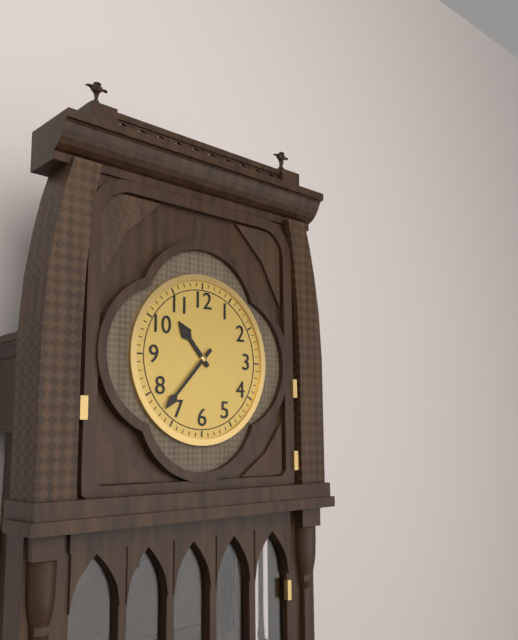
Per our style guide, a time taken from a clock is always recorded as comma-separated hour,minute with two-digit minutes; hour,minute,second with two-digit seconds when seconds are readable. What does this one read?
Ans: 10,37
